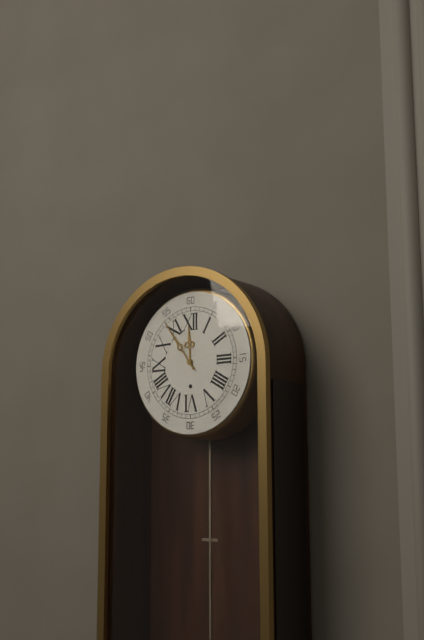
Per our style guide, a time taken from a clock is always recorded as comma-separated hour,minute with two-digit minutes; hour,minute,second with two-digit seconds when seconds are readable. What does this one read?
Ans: 11,54
